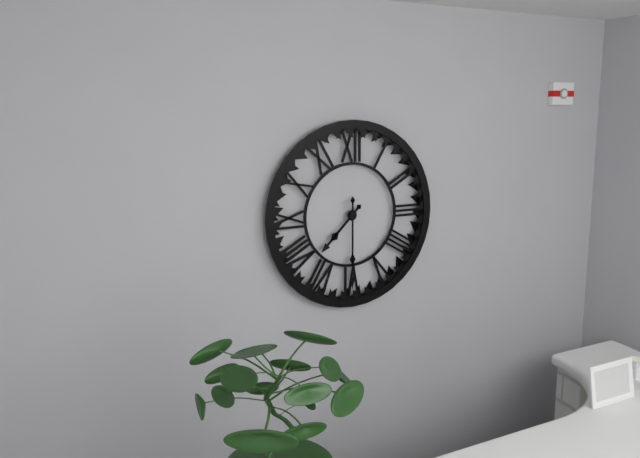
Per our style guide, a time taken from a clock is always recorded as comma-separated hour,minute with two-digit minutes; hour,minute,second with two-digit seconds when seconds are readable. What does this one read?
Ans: 7,30
